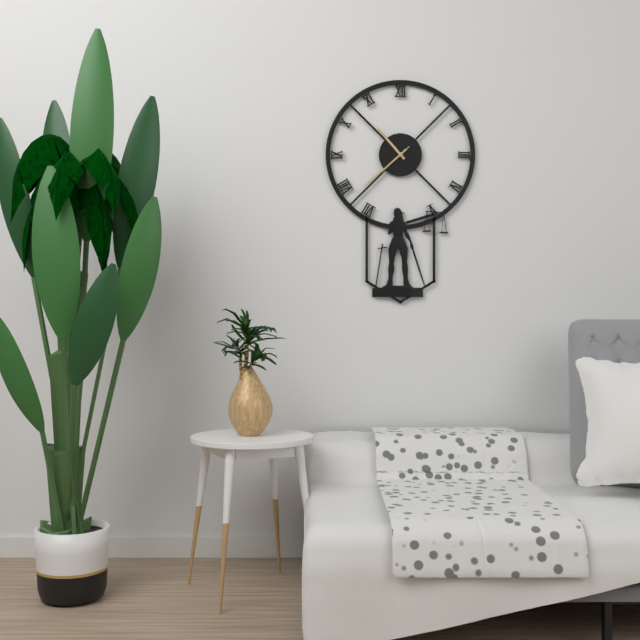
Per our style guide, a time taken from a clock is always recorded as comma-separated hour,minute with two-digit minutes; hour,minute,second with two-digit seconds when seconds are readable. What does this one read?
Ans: 10,38,38
